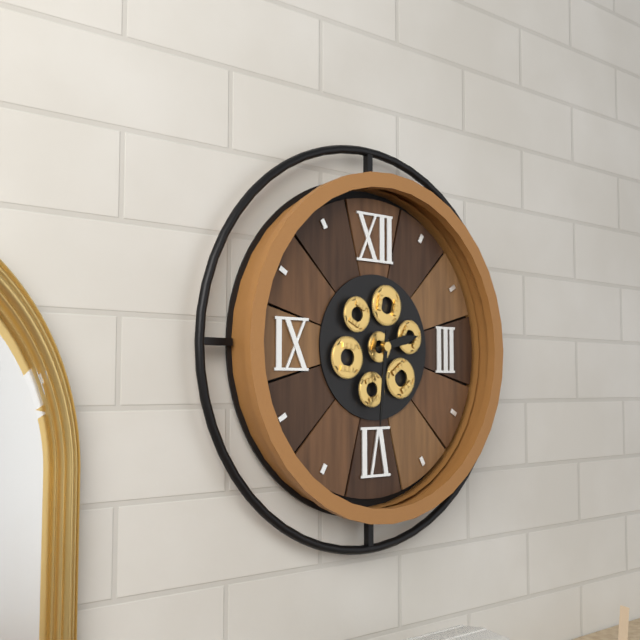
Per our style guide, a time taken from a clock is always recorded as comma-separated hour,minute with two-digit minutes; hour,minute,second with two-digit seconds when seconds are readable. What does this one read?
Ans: 2,31
